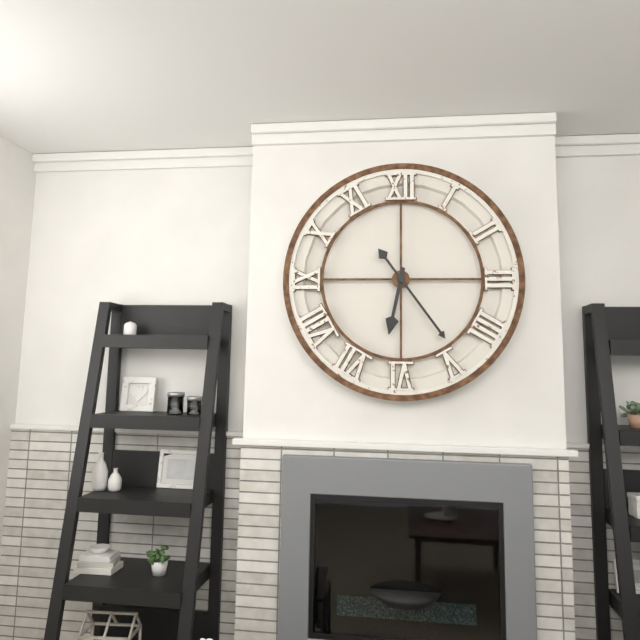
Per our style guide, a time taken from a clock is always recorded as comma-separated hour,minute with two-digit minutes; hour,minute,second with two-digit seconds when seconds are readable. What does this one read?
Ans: 6,24
